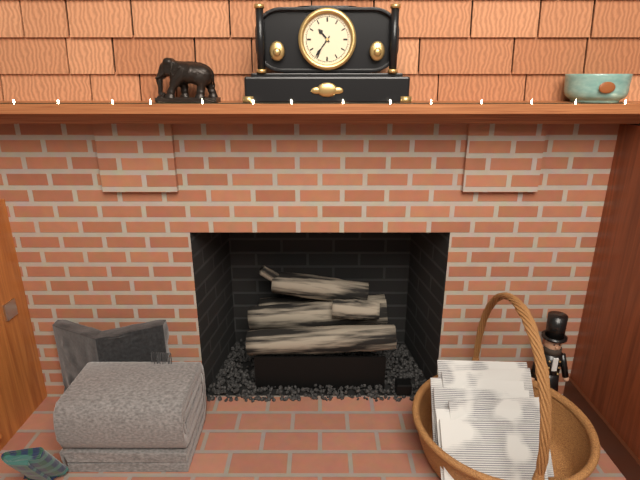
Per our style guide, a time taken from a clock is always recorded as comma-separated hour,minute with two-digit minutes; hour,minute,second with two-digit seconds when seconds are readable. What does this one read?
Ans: 10,36
